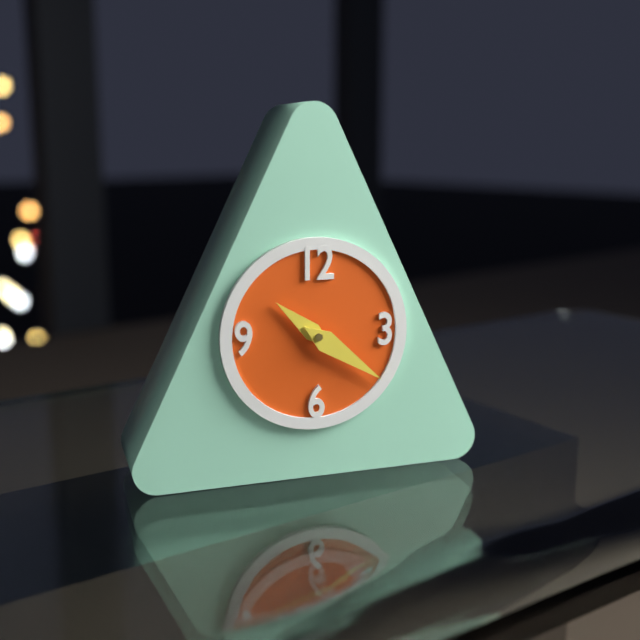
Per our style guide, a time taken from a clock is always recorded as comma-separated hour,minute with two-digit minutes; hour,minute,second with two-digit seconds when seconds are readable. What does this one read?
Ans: 10,21
